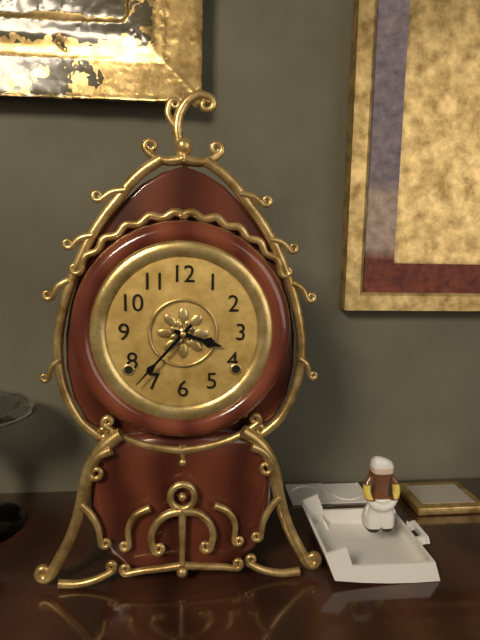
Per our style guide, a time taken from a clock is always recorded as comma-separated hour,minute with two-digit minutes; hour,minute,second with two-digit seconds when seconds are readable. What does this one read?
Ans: 3,37
